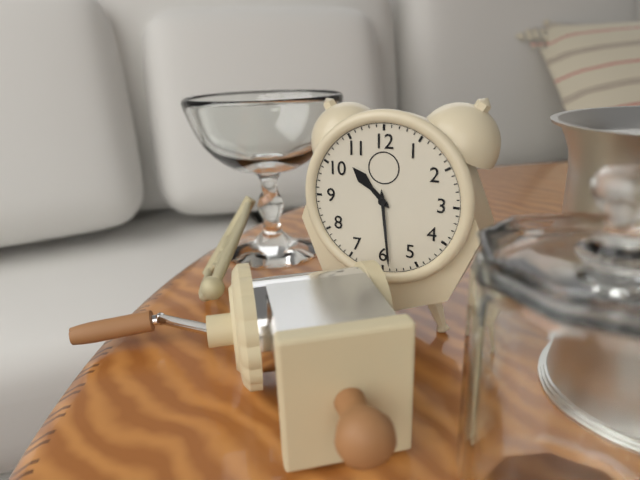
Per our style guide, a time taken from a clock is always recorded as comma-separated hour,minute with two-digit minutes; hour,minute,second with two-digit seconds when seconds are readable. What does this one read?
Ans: 10,29
